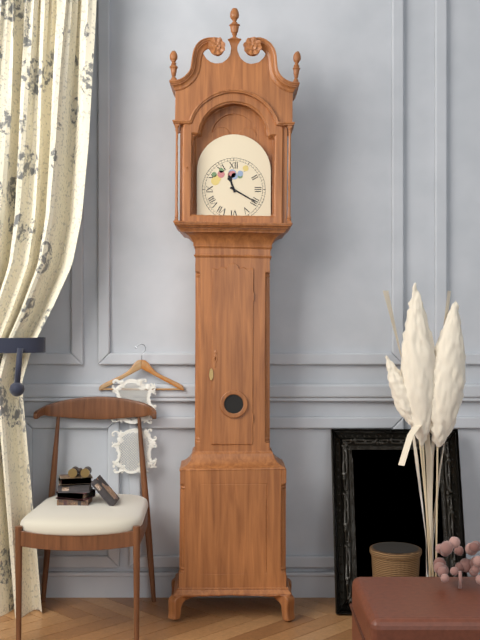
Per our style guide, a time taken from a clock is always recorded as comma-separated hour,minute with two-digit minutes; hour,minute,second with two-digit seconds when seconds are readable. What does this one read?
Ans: 11,20
